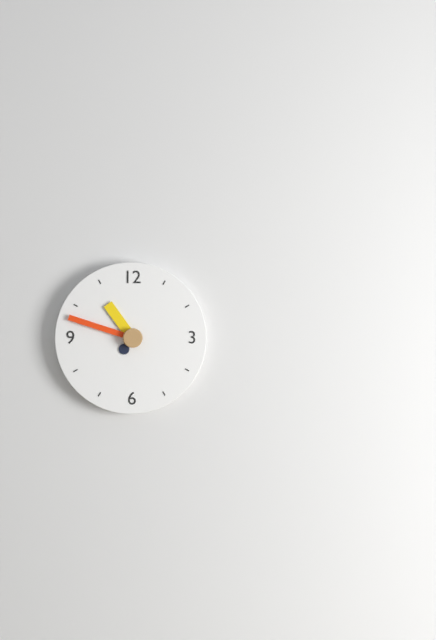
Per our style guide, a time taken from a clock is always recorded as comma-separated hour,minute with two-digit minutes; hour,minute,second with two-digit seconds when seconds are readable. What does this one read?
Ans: 10,48
